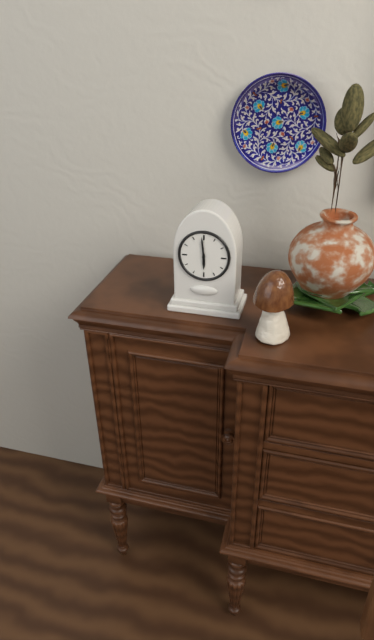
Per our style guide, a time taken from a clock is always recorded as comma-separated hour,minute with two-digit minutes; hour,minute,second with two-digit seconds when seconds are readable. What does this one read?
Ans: 5,59
